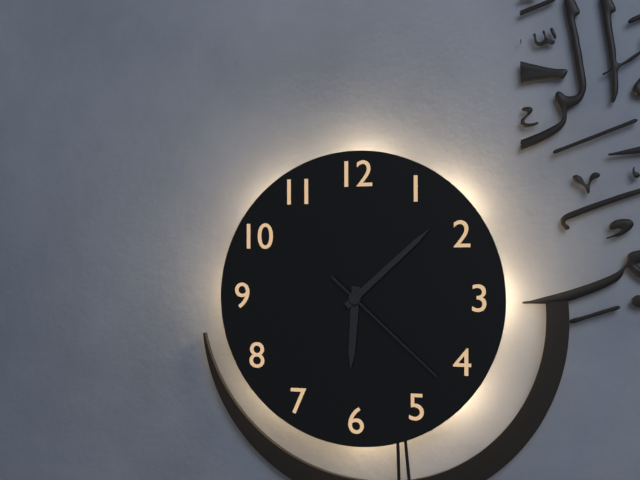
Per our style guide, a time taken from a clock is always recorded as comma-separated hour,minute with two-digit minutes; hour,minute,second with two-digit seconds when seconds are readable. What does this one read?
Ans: 6,08,22
